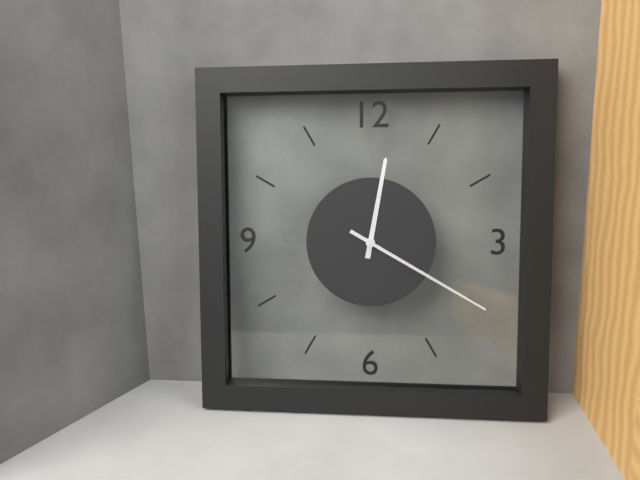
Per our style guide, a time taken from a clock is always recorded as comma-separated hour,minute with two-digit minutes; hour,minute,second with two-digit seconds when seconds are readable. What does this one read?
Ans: 12,20
